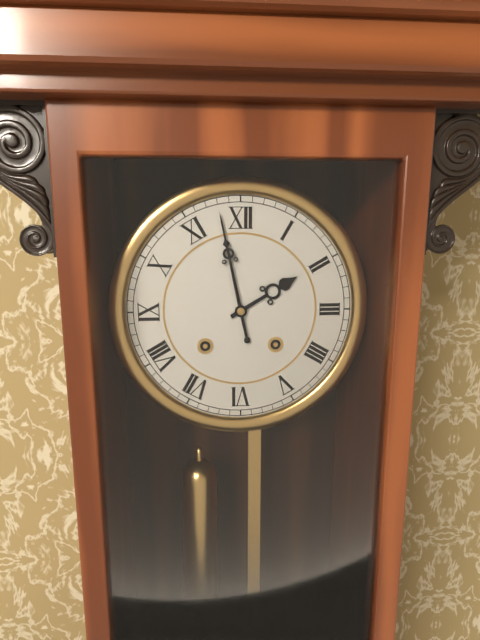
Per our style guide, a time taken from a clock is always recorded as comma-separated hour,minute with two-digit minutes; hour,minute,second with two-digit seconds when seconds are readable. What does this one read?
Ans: 1,58
